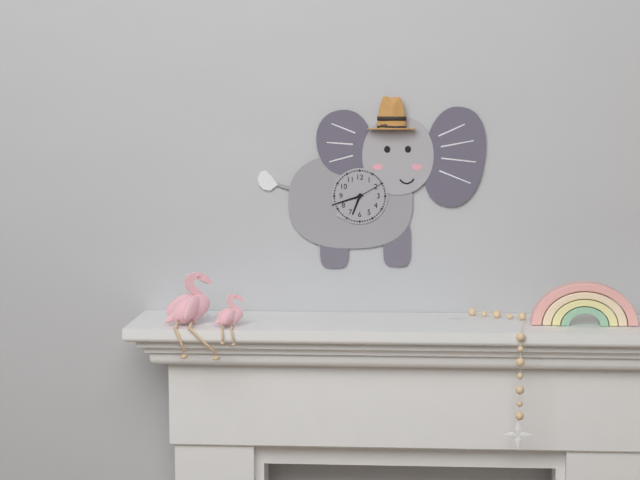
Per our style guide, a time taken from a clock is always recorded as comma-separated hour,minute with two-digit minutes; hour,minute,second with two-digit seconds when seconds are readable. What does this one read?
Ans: 6,42
